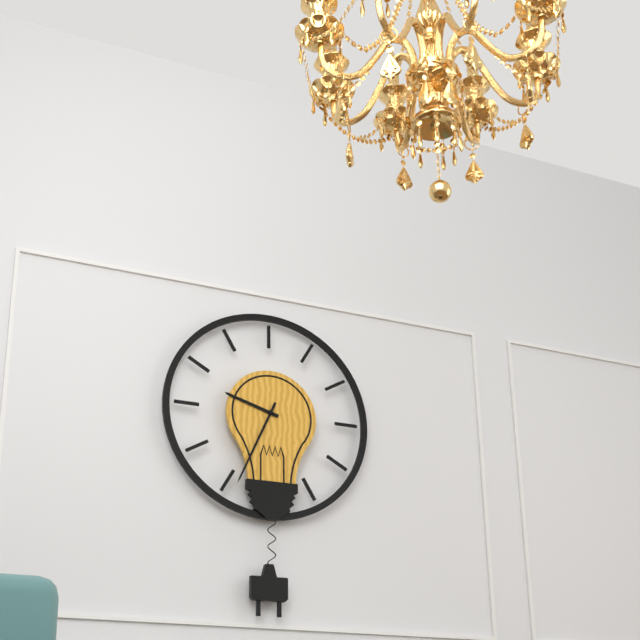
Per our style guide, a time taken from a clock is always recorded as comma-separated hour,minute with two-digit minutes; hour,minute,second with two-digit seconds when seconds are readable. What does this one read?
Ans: 9,34
